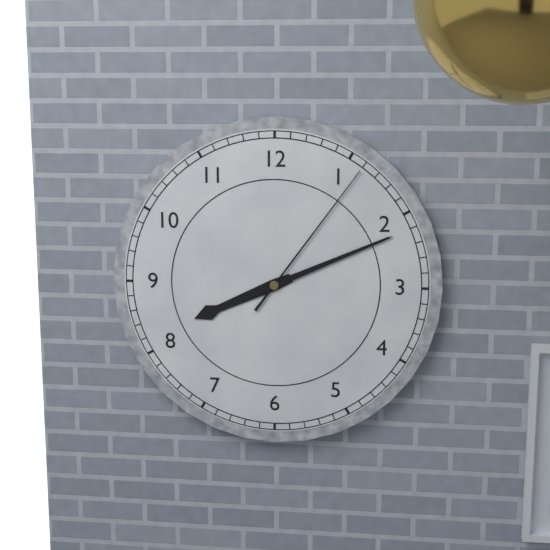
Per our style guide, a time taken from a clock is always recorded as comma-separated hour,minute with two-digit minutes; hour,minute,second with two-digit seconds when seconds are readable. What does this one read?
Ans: 8,11,06
